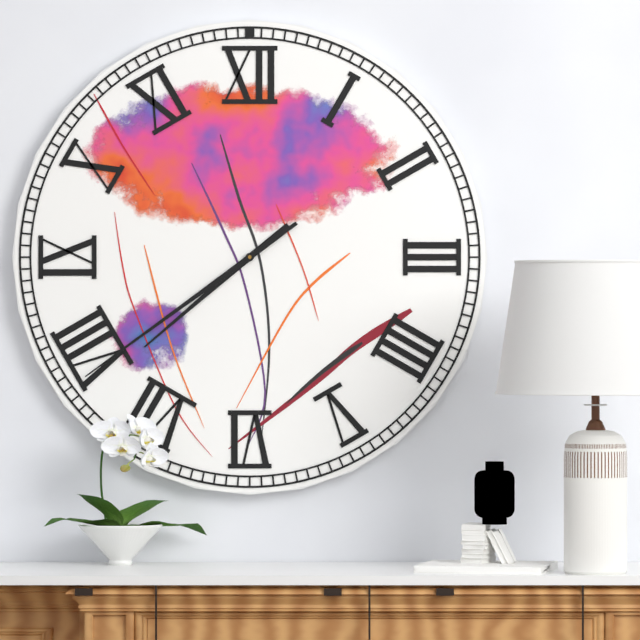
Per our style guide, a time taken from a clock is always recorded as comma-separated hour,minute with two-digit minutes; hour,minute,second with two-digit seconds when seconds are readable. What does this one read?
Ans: 7,39
